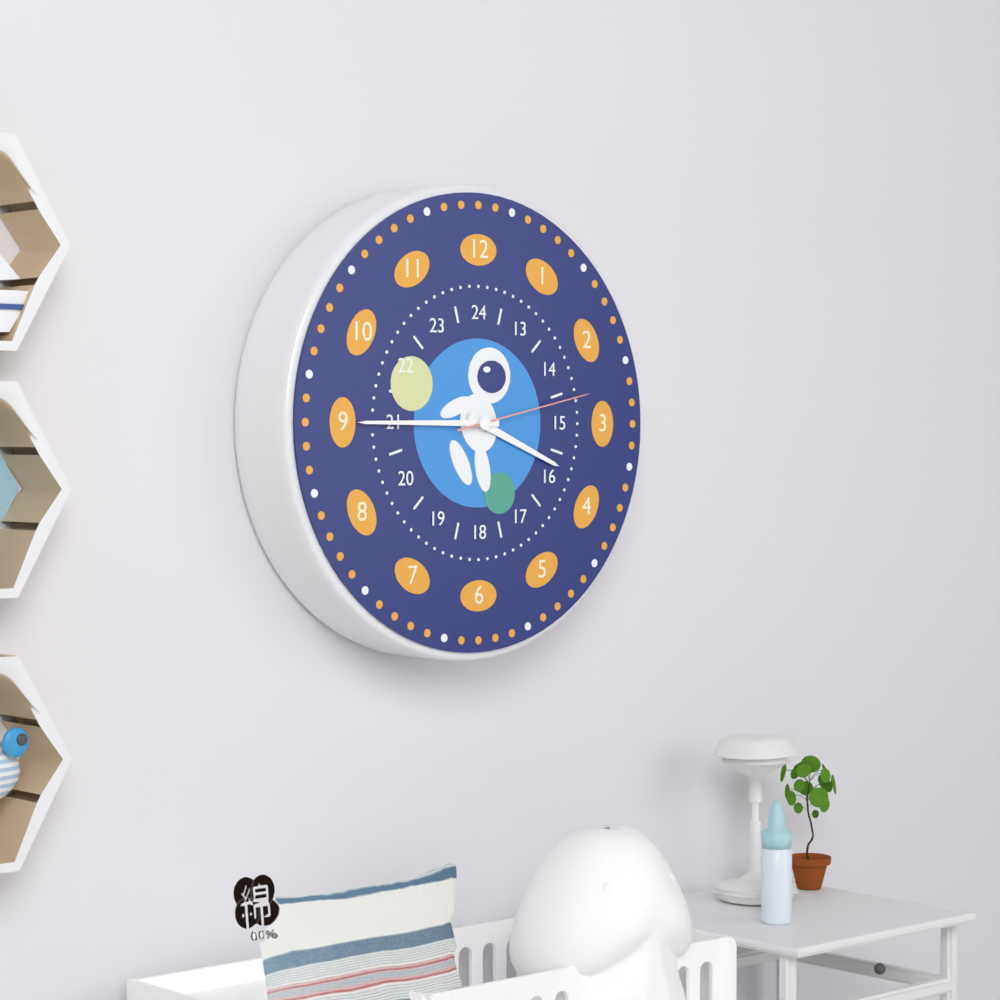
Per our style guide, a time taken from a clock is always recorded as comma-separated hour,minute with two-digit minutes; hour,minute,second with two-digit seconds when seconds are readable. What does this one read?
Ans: 3,45,13
